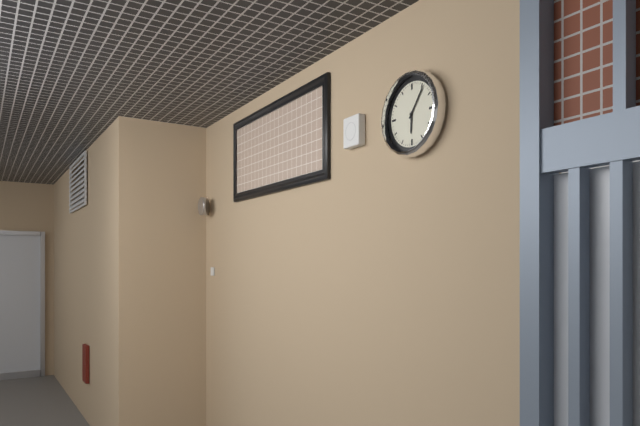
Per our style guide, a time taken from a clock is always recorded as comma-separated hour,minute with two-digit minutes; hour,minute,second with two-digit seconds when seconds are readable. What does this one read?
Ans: 6,06
